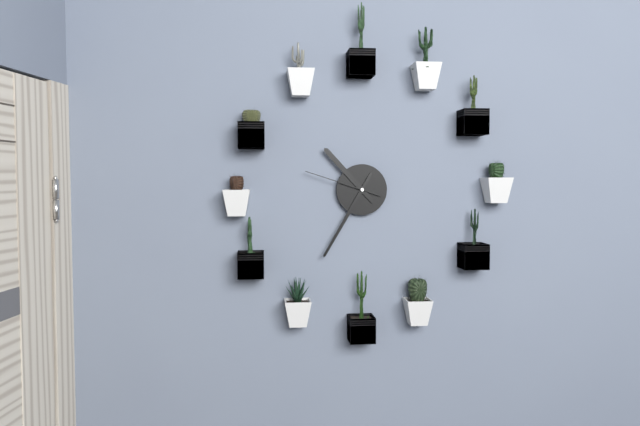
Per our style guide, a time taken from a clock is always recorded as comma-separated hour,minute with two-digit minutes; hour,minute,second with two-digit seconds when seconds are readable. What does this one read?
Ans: 10,35,48
